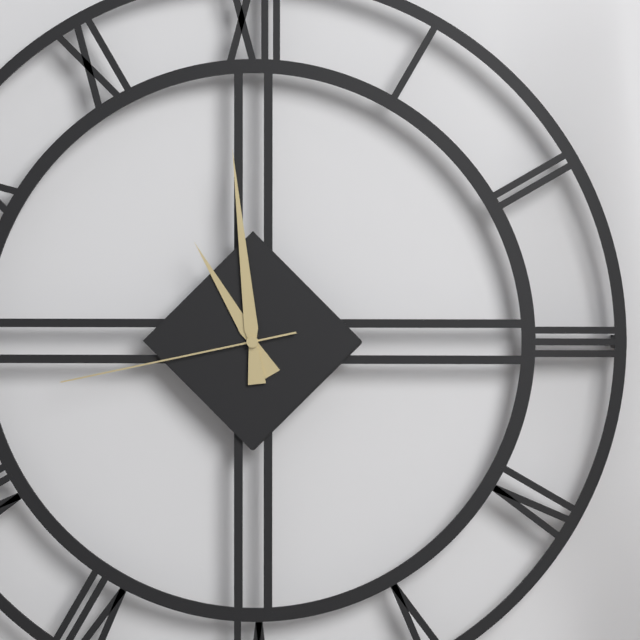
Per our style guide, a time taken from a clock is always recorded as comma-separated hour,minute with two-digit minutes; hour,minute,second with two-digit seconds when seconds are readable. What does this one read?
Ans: 10,59,43
